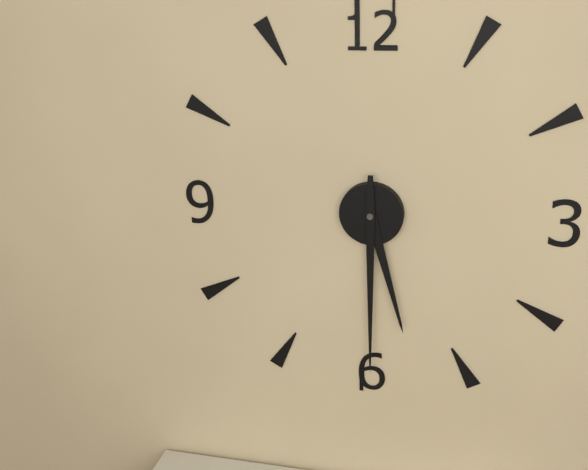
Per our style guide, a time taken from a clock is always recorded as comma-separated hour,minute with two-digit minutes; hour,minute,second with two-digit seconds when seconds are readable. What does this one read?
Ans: 5,30
